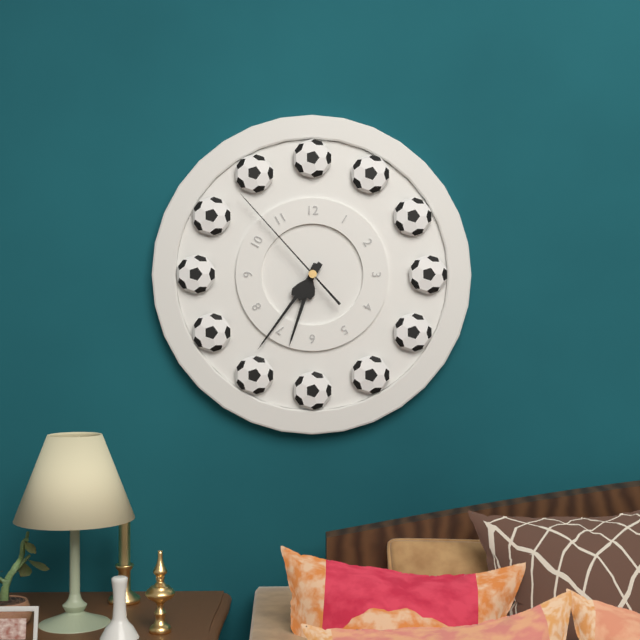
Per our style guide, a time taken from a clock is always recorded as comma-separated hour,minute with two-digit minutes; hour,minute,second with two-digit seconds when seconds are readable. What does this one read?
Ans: 6,36,53
